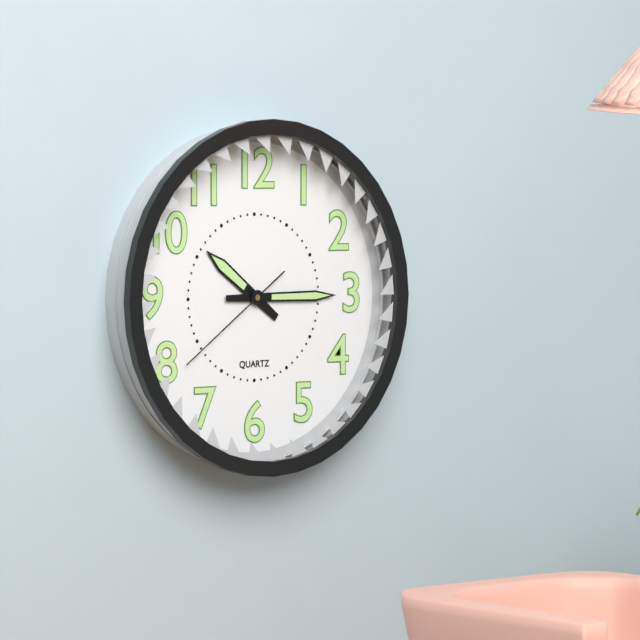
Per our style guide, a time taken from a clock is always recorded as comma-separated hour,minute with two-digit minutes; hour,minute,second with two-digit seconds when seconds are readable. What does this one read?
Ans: 10,15,39
